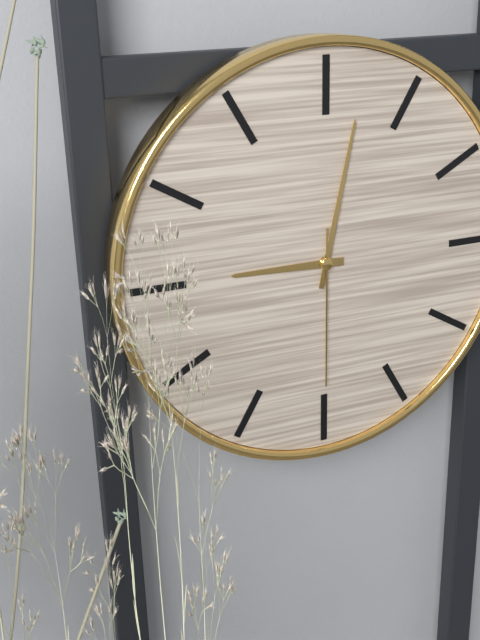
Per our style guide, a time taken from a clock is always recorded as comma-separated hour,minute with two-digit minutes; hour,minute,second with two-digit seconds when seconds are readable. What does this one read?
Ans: 9,02,30
